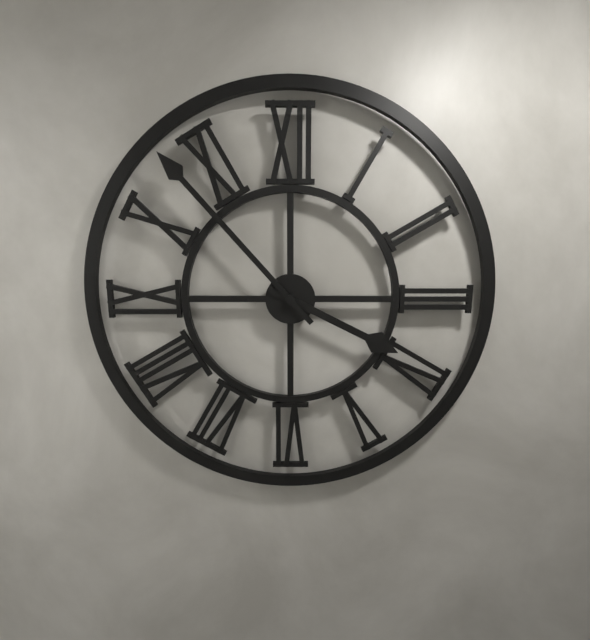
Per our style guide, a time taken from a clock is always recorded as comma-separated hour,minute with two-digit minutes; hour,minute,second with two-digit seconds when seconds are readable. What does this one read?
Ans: 3,53
